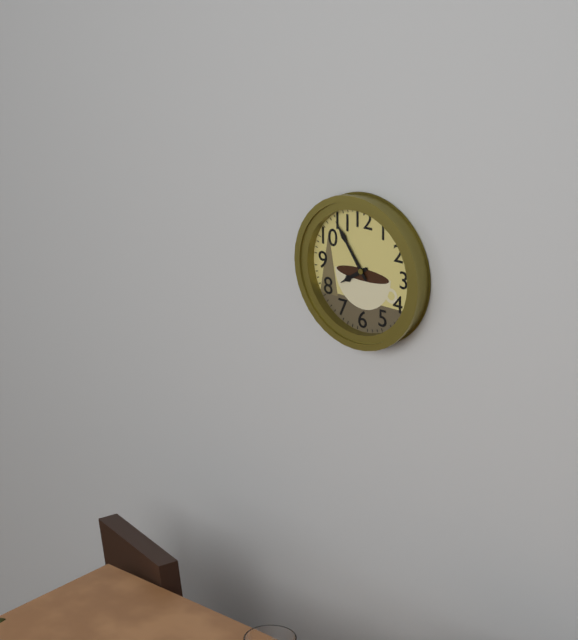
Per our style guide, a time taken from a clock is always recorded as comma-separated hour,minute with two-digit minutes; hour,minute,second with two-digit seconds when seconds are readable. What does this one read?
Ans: 7,54
